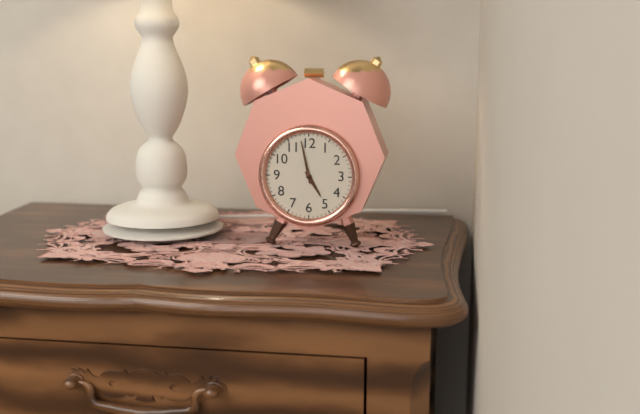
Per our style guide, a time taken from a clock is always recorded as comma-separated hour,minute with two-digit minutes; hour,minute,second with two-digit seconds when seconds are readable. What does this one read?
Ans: 4,58
